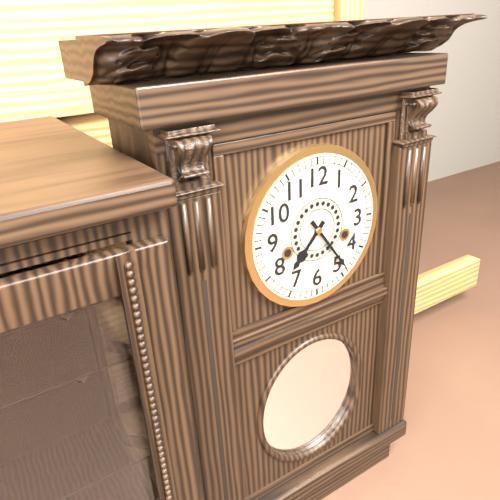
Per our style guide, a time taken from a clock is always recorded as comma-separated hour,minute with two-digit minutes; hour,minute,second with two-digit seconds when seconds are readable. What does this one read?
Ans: 7,24
